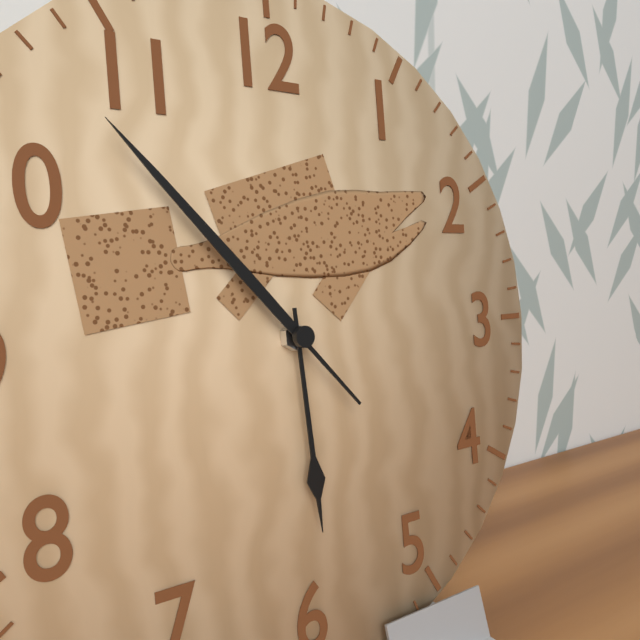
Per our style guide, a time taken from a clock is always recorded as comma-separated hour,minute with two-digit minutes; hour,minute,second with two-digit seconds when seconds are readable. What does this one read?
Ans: 5,53
